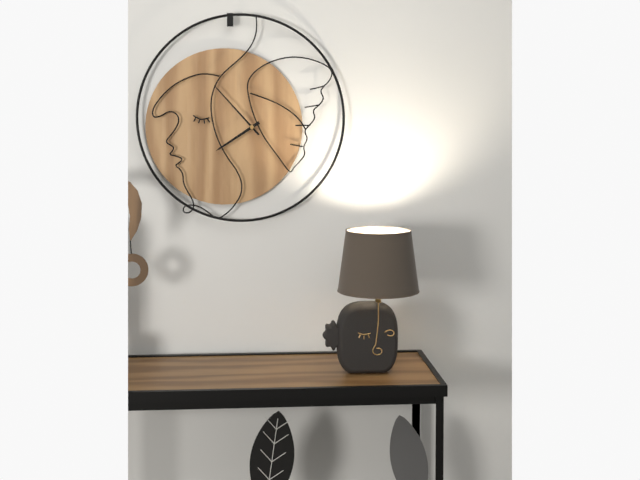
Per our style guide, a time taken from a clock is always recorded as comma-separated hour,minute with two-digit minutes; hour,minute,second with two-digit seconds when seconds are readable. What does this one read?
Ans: 7,53
